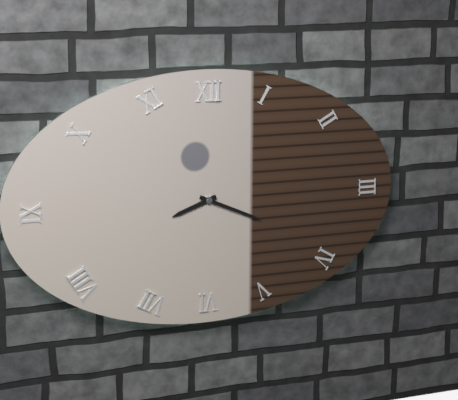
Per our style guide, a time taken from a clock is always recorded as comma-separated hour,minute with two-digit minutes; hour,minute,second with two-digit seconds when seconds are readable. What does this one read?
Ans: 8,19
